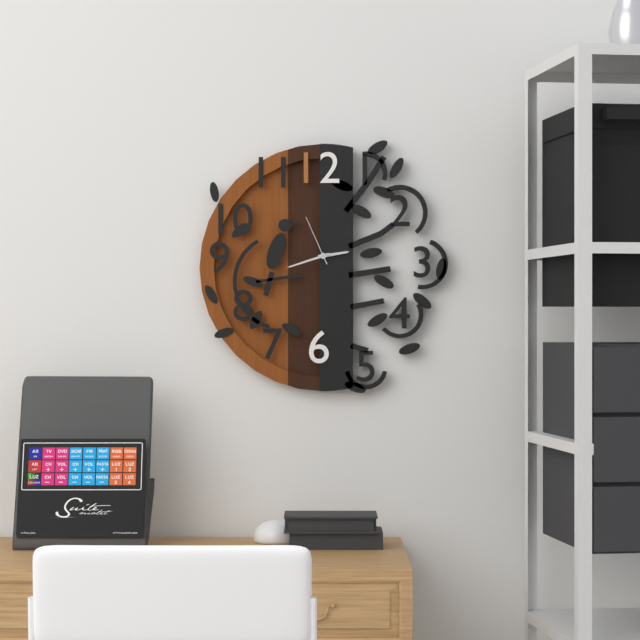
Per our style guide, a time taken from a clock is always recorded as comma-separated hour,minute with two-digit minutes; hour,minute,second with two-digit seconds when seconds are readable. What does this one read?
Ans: 2,42,56
